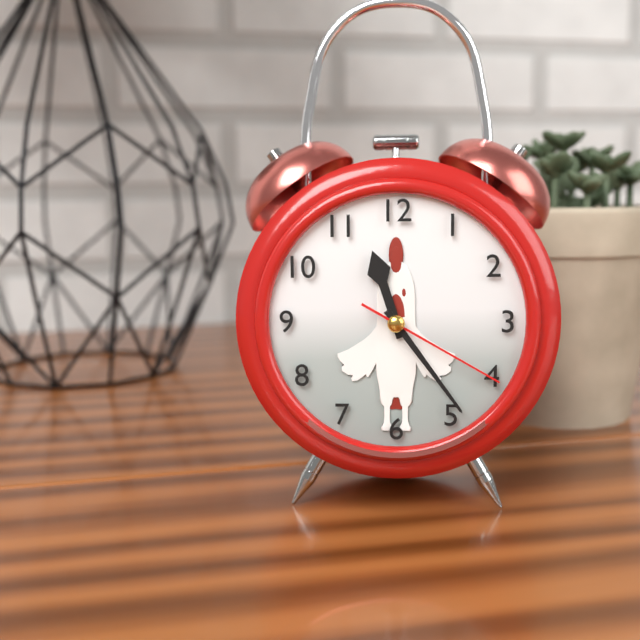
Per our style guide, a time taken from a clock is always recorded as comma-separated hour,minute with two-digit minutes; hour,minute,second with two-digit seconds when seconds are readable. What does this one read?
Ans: 11,24,20
